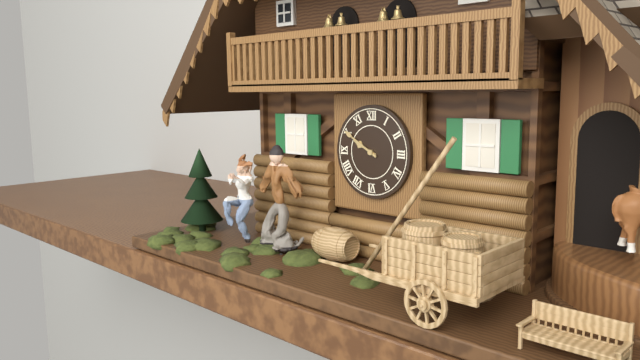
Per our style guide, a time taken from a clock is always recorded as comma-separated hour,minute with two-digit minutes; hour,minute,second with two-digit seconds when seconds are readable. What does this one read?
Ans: 9,50
